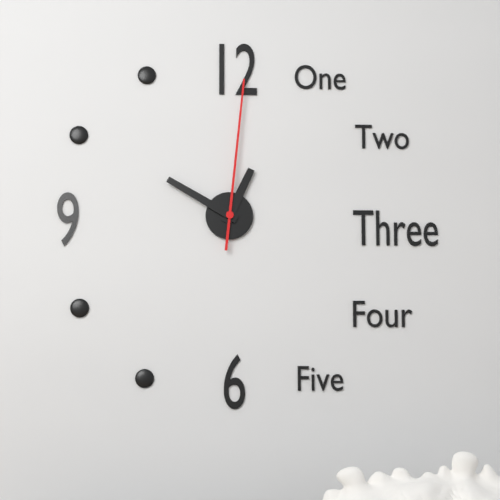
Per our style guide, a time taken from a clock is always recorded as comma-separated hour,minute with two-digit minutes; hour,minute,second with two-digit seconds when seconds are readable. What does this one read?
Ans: 12,50,01
